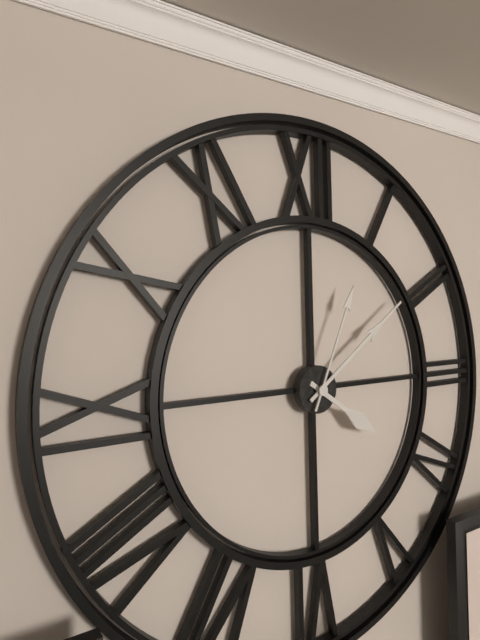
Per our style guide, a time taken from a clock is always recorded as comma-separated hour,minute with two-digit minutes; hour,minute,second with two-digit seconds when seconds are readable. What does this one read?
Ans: 4,09,04
